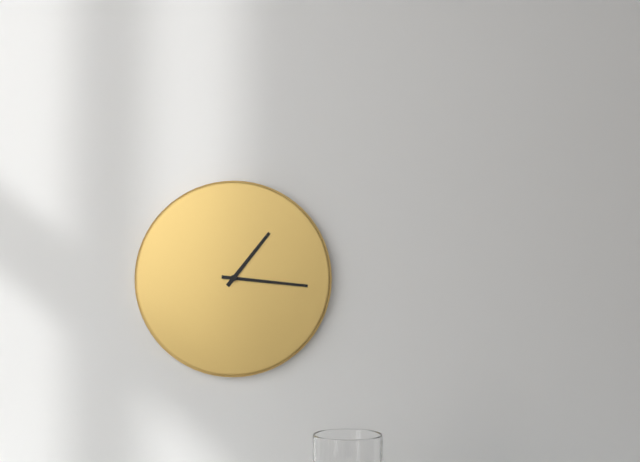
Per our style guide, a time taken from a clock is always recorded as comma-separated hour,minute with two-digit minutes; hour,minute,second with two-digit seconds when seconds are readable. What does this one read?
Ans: 1,16
